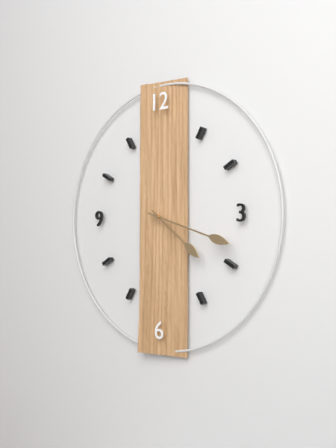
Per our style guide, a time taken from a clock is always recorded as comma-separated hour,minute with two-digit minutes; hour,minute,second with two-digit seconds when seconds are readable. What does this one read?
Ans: 4,18
